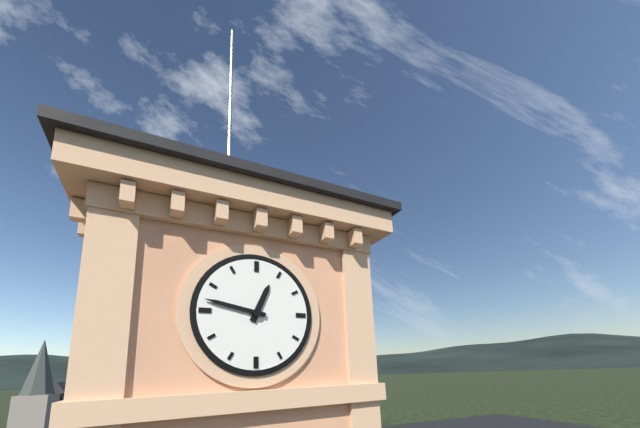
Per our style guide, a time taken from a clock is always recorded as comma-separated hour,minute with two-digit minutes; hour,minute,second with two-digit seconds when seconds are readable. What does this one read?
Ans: 12,47
